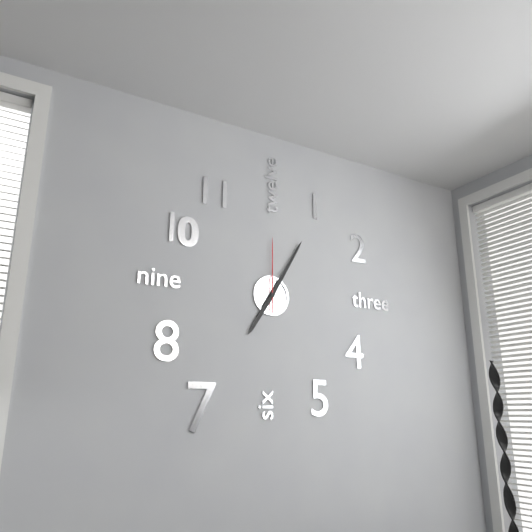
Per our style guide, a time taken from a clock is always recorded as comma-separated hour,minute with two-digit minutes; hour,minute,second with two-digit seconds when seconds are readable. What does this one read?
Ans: 7,05,00
